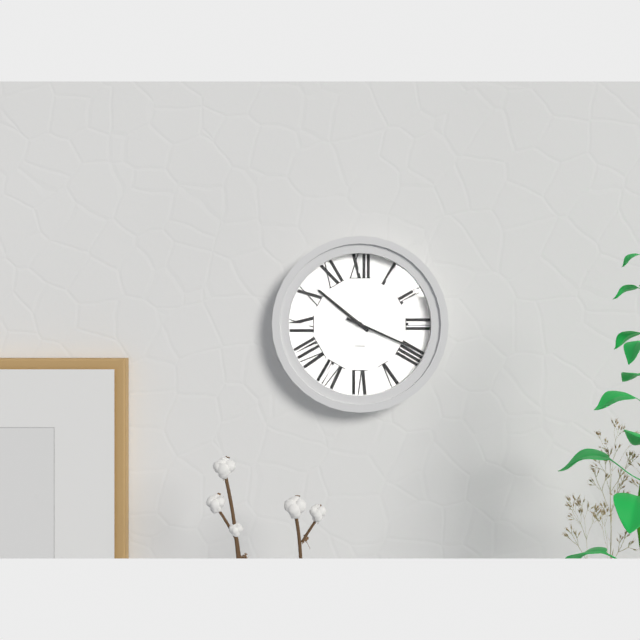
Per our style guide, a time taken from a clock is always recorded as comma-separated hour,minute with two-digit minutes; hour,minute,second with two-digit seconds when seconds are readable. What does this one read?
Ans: 10,19
